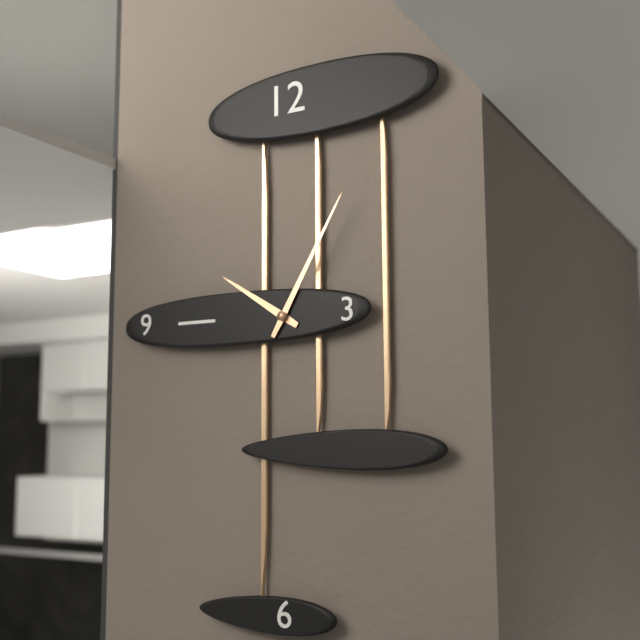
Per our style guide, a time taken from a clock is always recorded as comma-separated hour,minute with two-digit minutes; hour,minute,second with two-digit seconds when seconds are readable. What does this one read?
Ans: 10,05
